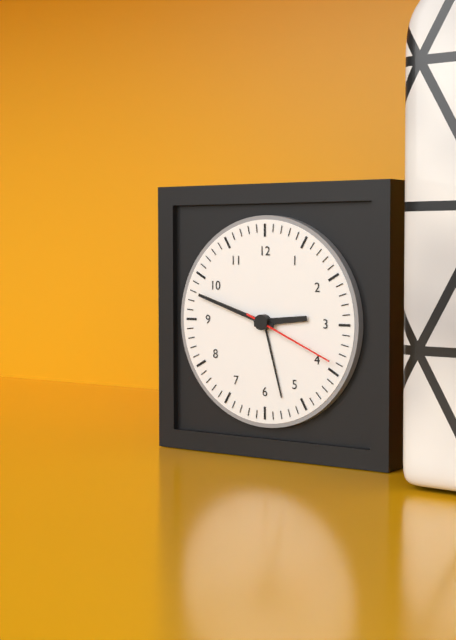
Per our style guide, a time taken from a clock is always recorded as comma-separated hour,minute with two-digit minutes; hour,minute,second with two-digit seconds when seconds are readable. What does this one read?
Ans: 2,48,19
